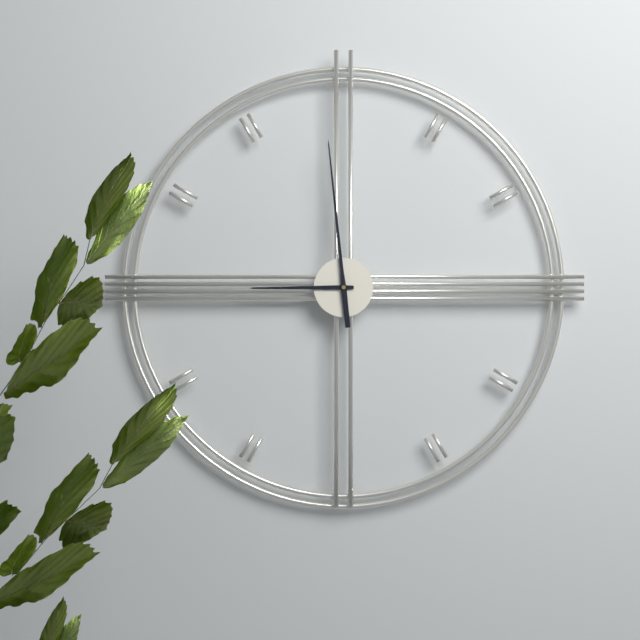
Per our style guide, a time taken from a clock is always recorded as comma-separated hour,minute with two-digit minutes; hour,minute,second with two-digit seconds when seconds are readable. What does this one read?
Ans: 8,59
